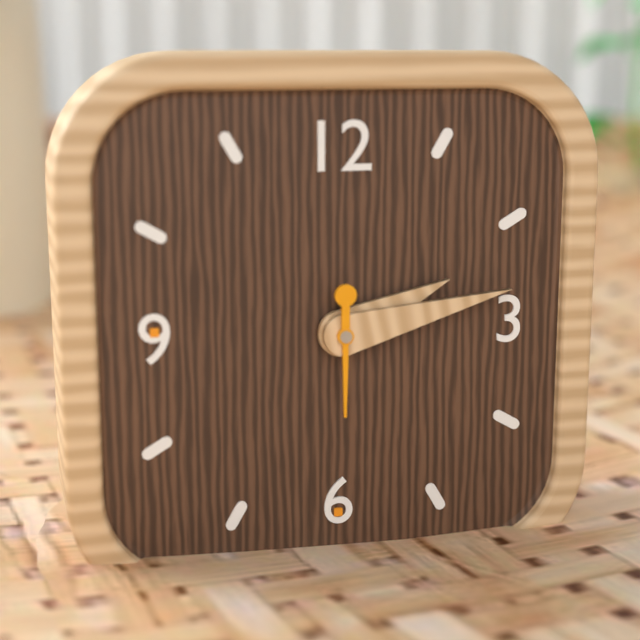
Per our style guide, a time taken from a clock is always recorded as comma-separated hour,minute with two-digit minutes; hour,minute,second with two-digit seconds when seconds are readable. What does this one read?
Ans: 2,13,30
